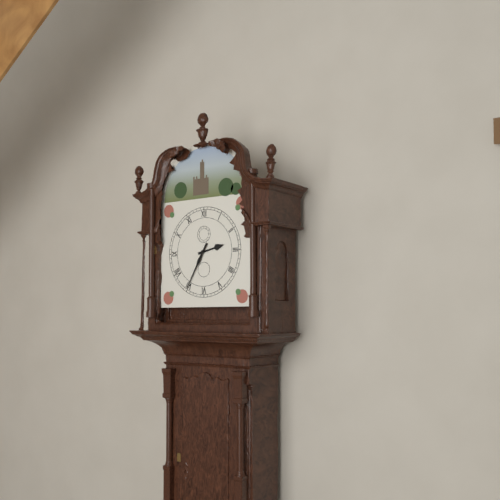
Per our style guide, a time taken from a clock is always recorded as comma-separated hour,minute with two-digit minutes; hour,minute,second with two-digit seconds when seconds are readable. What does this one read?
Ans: 2,35
